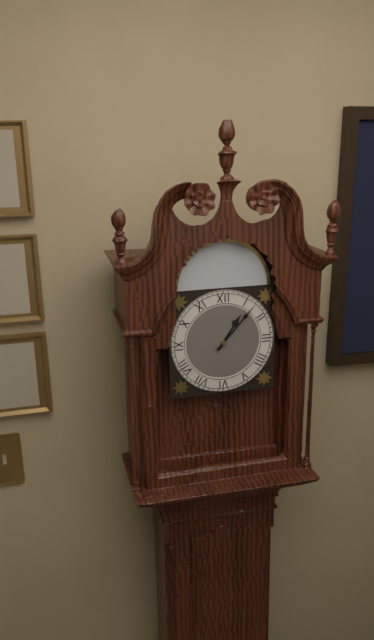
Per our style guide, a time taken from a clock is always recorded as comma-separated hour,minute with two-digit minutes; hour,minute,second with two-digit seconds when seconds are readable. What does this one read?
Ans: 1,07
